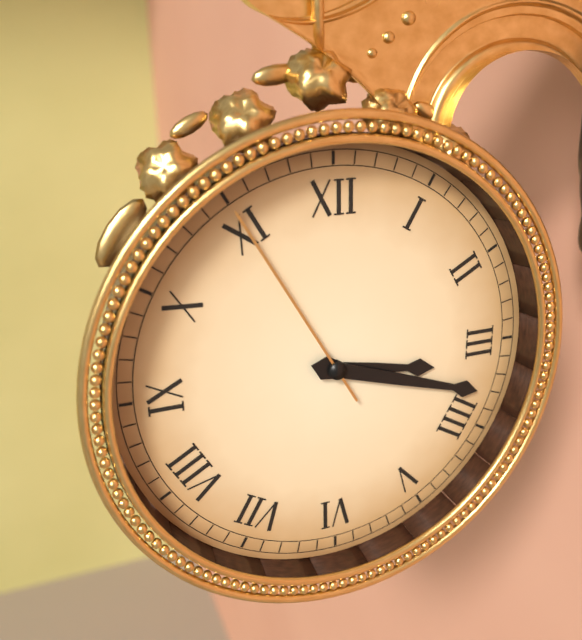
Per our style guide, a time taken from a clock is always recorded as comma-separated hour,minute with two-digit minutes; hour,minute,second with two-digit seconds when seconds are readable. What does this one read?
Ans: 3,18,55
